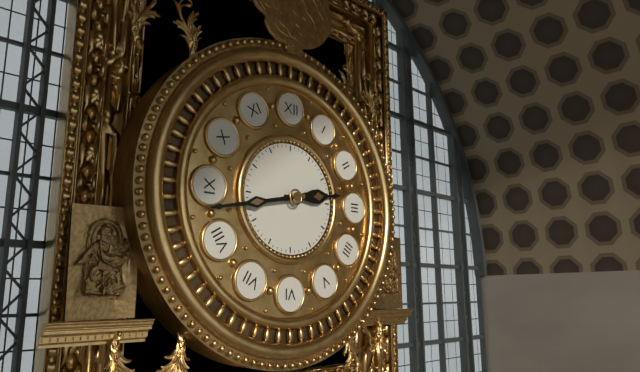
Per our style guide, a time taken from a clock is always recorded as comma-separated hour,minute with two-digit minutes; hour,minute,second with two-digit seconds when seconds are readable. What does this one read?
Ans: 2,43
